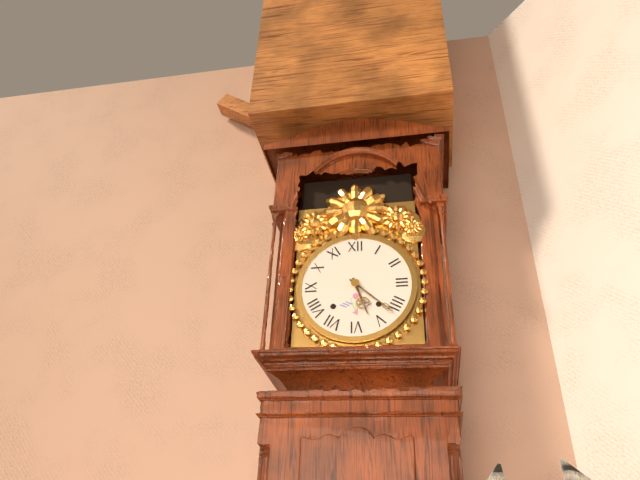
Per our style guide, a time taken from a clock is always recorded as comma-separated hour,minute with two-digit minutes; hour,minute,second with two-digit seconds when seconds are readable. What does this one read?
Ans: 5,22
